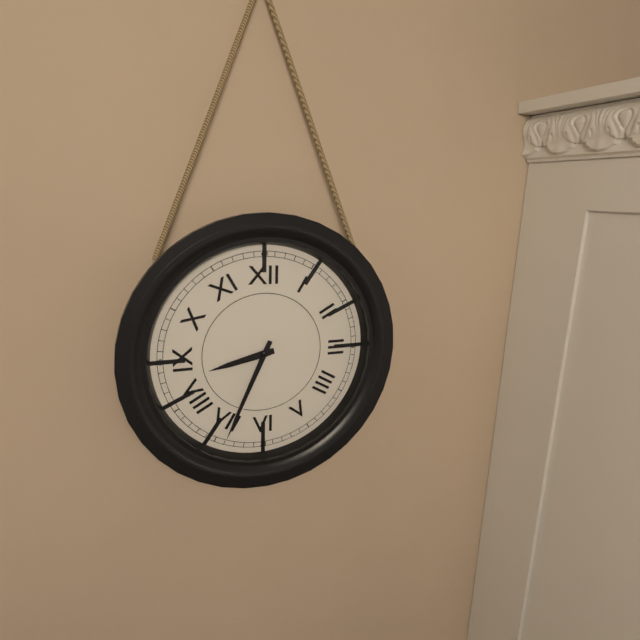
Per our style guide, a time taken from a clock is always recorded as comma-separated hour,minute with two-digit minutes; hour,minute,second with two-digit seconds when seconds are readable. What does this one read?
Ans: 8,34
